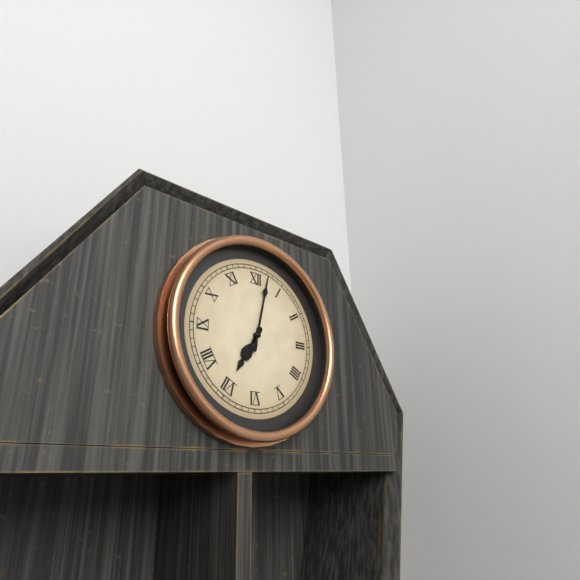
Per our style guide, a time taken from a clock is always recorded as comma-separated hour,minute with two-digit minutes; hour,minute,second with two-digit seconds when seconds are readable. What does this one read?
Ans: 7,02
